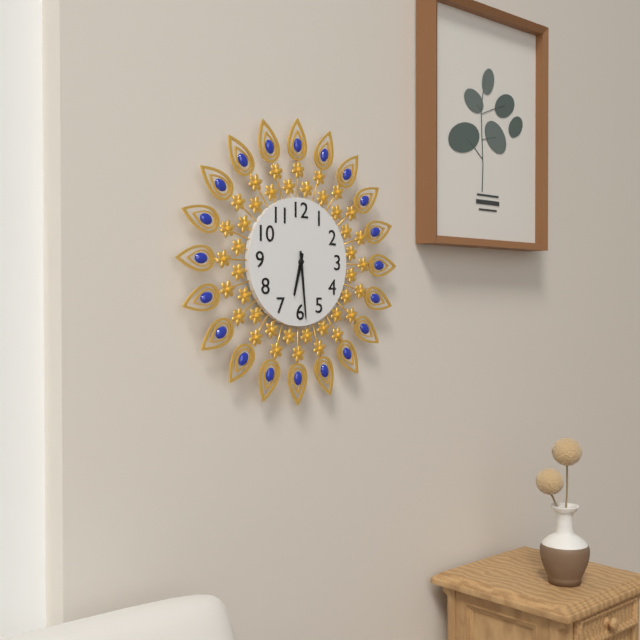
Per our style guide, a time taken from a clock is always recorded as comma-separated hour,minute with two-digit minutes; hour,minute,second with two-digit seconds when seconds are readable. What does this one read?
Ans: 6,29
